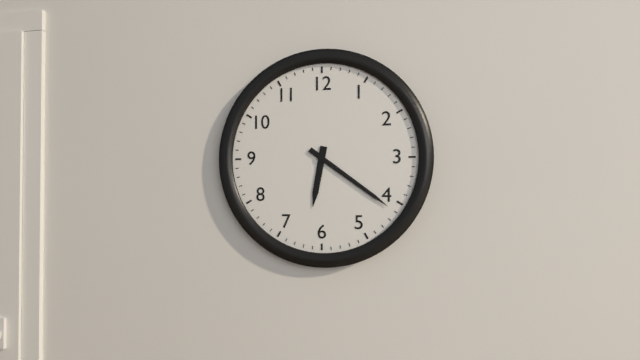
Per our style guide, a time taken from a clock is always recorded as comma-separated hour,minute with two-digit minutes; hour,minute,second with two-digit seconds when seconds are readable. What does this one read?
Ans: 6,21
